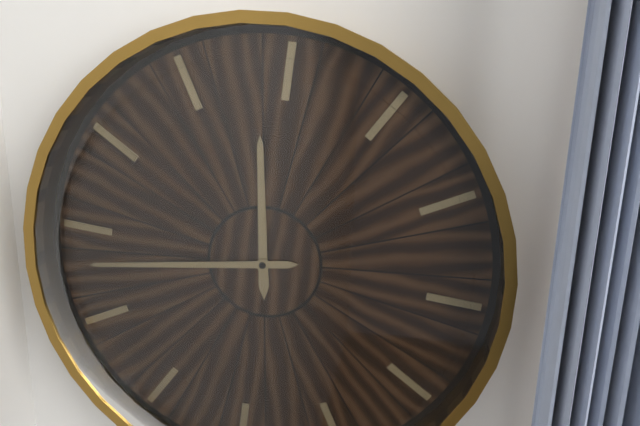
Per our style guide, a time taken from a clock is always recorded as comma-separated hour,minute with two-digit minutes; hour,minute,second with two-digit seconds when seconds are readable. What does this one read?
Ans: 11,43
